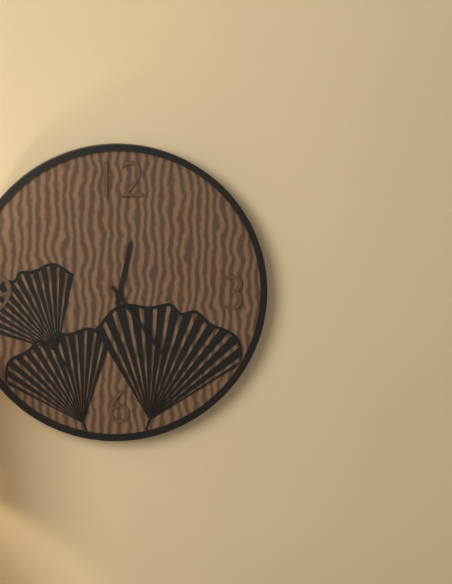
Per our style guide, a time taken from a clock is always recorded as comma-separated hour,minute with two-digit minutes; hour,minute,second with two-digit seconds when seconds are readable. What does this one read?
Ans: 12,24
